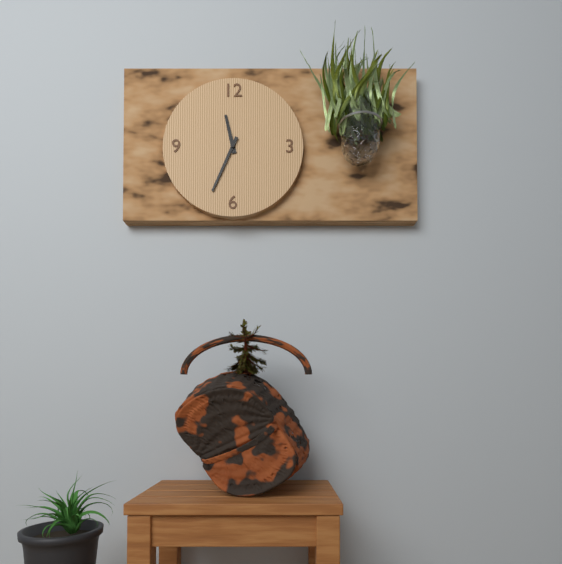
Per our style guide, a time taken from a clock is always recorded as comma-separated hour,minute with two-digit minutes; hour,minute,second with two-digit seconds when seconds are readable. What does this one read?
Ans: 11,34
